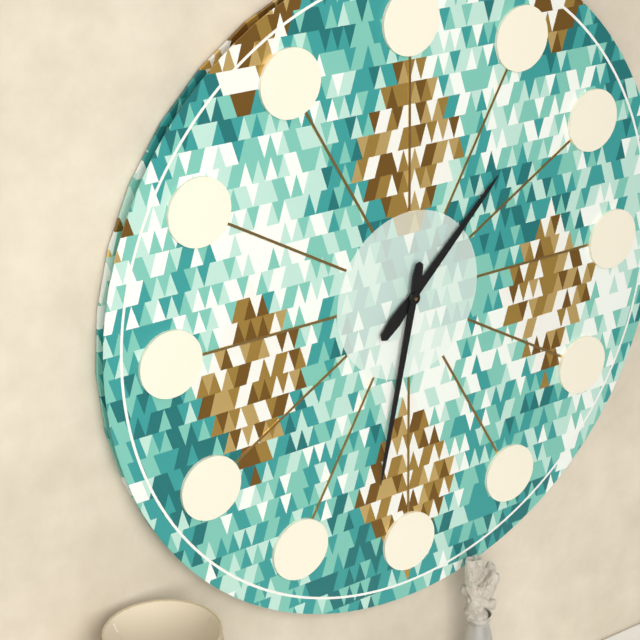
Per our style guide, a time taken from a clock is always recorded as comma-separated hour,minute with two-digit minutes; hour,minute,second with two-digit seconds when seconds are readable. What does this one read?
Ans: 1,32
